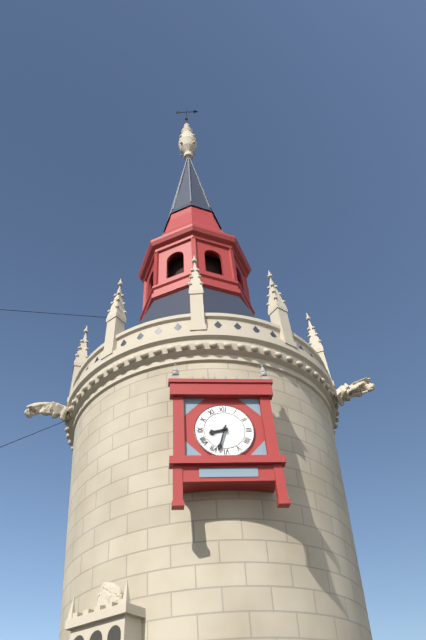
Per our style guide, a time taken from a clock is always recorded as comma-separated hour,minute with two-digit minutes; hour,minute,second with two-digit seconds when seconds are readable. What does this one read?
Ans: 8,33
